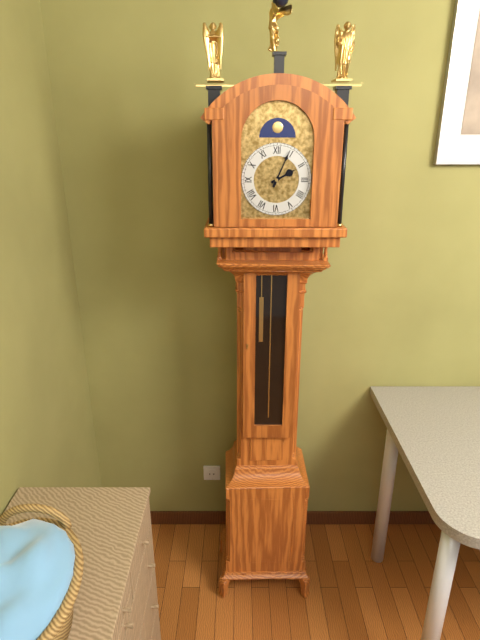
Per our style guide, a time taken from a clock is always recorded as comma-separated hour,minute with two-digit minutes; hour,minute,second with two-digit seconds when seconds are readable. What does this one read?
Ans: 2,04
